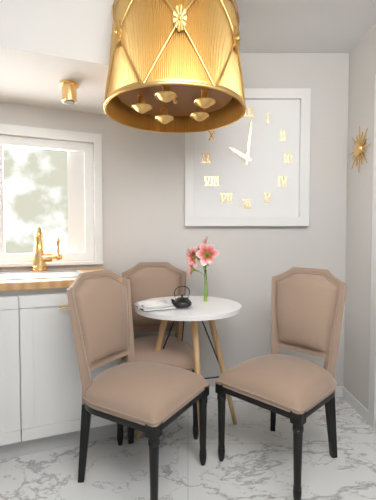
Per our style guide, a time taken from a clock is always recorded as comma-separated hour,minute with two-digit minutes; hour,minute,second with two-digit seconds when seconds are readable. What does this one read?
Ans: 10,01
